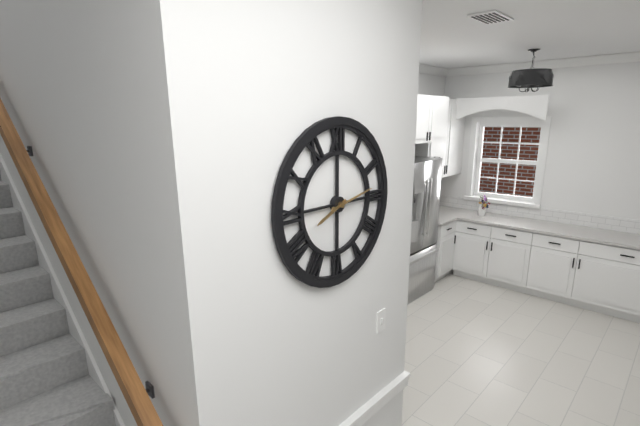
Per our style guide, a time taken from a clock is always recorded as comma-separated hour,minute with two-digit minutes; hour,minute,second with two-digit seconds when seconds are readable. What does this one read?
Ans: 8,13
